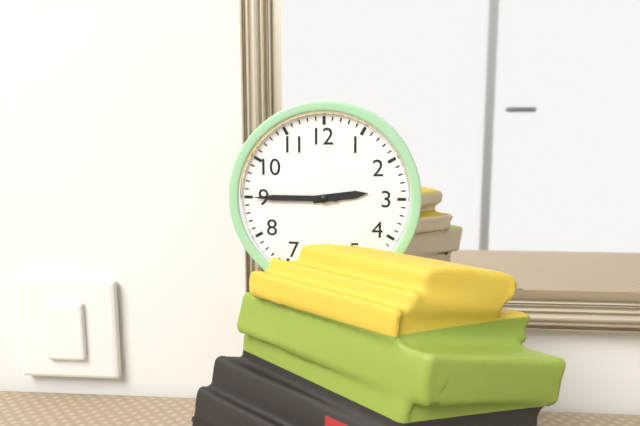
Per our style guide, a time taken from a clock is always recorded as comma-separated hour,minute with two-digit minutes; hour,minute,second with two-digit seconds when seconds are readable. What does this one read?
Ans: 2,45
